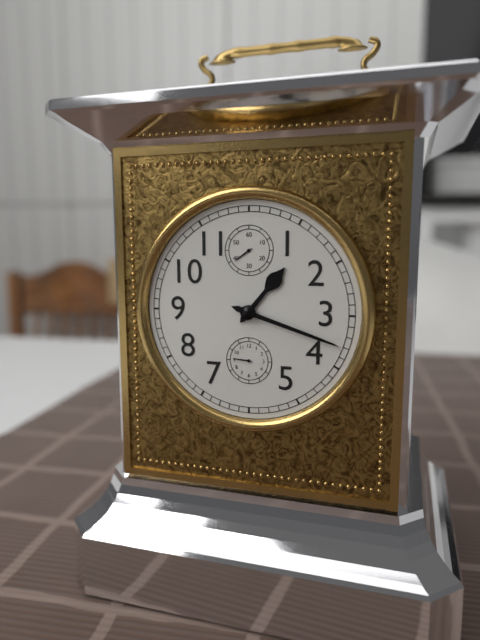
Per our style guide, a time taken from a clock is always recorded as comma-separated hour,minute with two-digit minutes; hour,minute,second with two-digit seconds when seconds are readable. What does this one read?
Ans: 1,18
